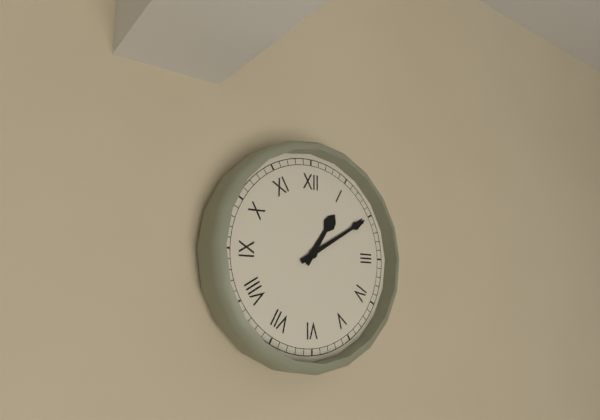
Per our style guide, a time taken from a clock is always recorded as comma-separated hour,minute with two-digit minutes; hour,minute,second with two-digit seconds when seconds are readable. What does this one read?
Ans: 1,10
